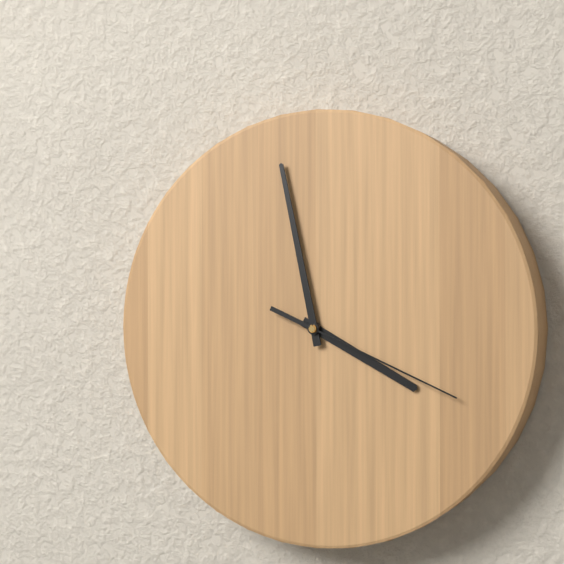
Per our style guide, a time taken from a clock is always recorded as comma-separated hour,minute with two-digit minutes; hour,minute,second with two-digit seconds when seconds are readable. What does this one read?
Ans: 3,58,19
